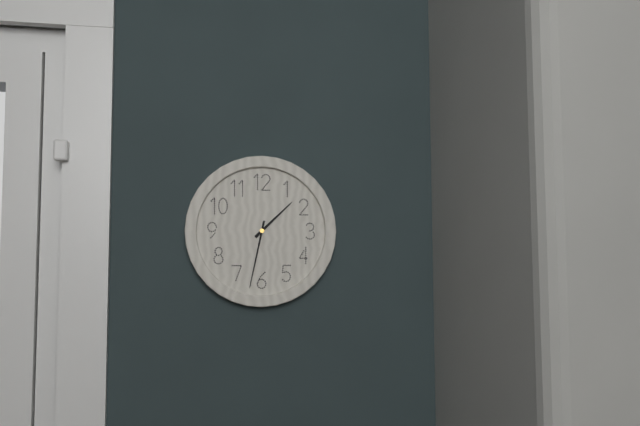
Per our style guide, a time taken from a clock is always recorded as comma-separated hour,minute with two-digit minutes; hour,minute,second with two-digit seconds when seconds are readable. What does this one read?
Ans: 1,32
